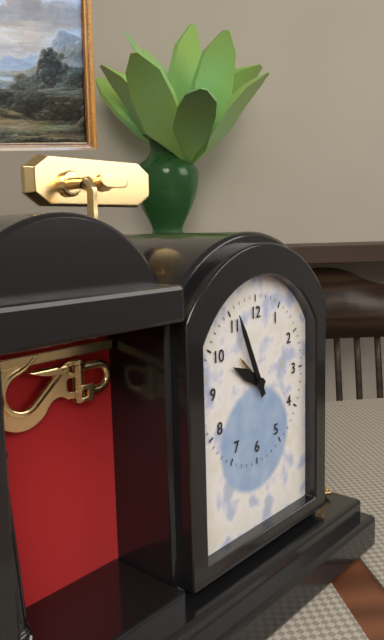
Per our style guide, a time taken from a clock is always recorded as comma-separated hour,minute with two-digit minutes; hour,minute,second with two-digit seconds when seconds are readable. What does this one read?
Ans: 9,56
